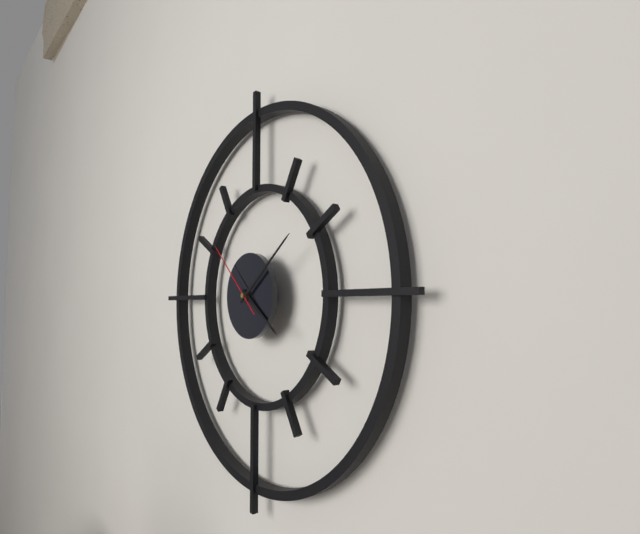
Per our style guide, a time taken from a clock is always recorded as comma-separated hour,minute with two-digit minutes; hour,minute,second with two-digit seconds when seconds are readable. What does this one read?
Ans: 4,09,52
